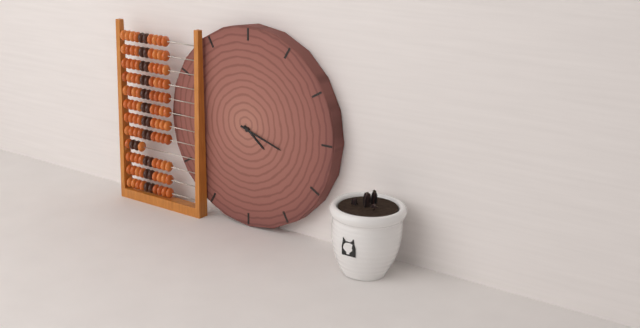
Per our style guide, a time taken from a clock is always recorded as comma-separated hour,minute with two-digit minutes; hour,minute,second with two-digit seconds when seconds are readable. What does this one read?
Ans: 4,18
